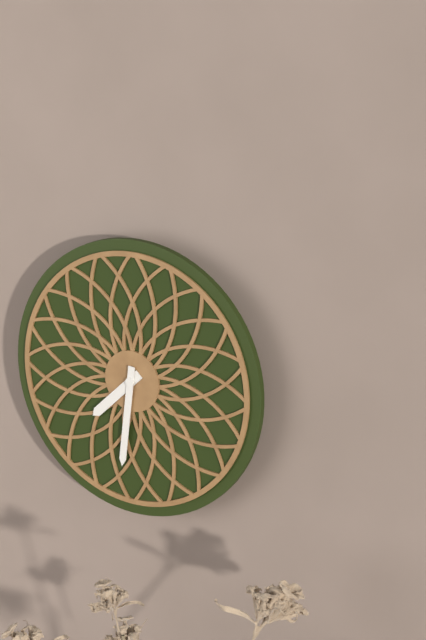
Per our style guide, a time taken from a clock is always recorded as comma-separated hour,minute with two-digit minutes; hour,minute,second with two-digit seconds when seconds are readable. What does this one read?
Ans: 7,31
